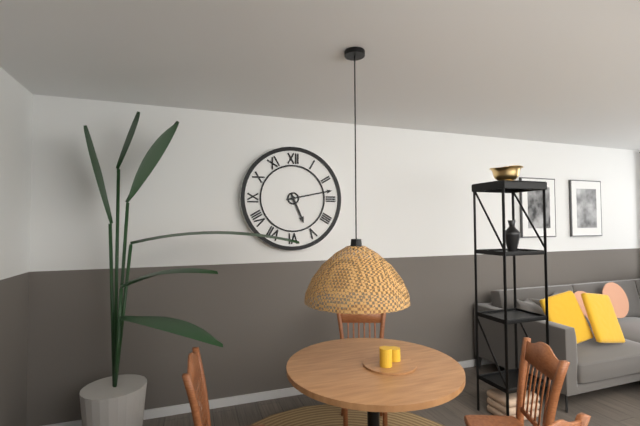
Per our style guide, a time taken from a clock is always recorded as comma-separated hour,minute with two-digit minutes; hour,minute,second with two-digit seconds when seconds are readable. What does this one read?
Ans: 5,13
